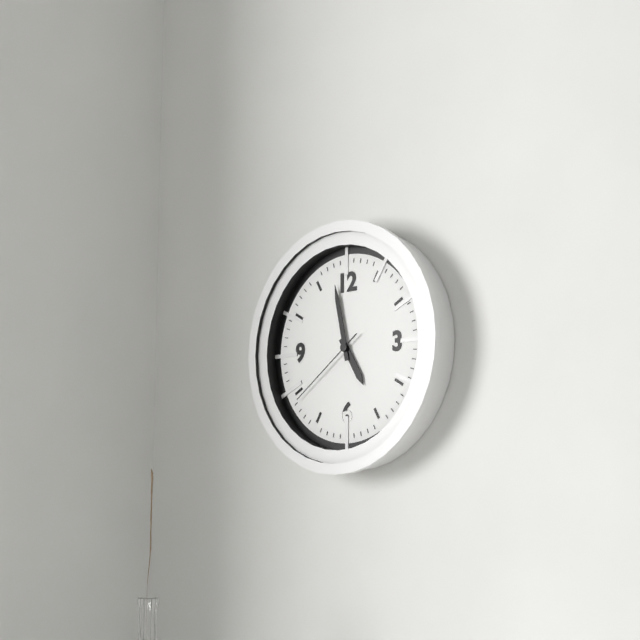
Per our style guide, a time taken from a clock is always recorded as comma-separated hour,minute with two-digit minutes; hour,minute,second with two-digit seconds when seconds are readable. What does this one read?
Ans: 4,58,39
